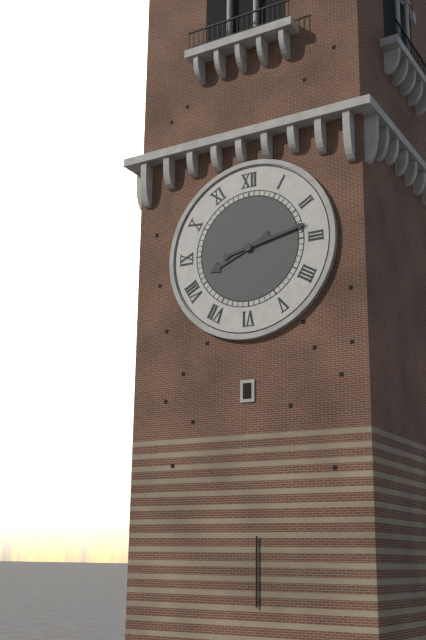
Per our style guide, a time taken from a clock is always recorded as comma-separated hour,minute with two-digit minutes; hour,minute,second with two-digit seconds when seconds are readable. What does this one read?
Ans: 8,13
